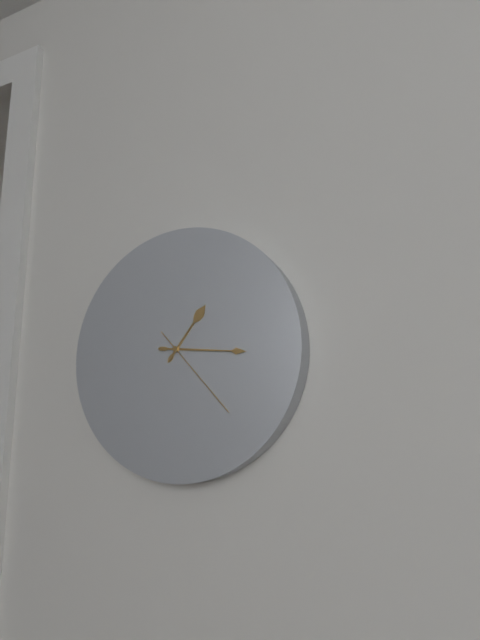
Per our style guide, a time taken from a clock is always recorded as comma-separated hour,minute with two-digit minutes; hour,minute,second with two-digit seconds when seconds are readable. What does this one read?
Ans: 1,16,23
